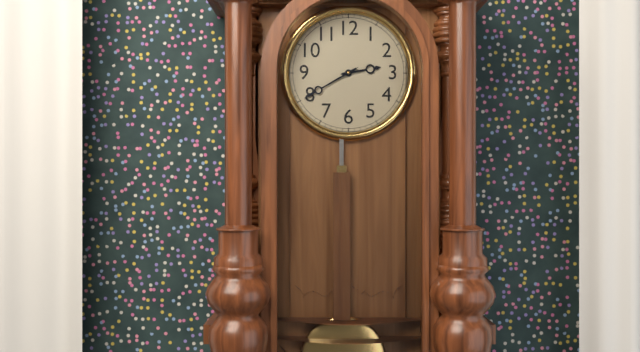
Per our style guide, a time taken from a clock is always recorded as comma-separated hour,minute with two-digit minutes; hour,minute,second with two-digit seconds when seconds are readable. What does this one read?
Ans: 2,40
